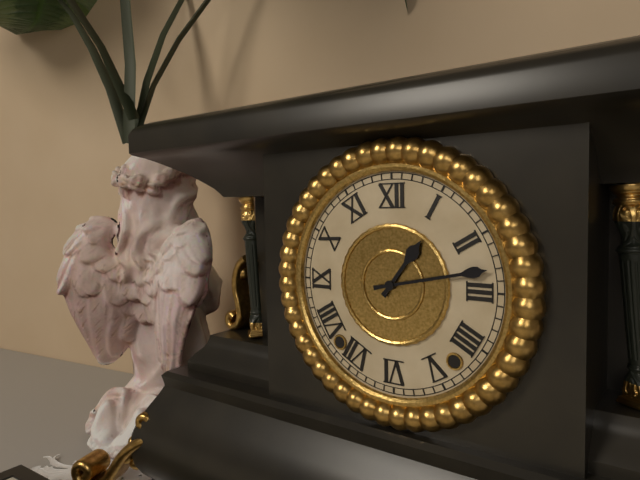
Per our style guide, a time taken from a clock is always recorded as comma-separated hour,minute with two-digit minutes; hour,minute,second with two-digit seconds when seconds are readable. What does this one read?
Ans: 1,13
